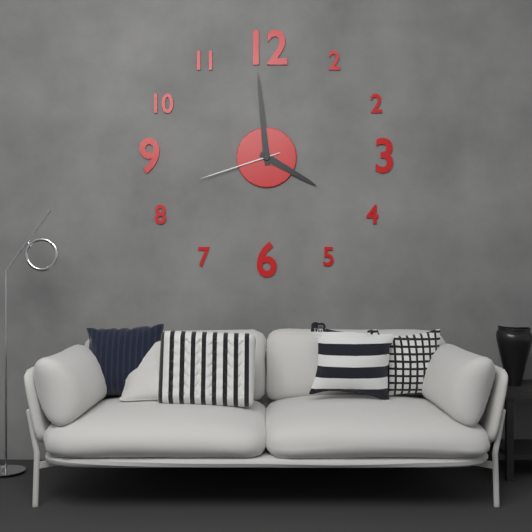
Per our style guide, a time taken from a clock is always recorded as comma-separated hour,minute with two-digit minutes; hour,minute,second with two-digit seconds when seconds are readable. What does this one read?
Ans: 3,59,42
